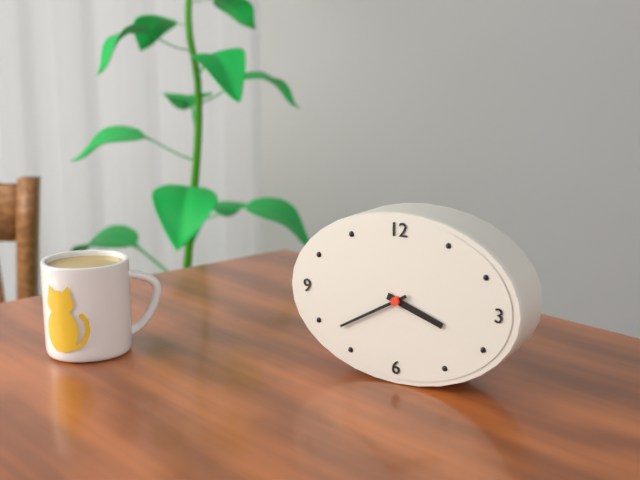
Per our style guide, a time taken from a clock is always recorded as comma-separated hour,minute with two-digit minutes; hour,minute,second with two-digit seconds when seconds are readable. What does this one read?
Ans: 3,40
